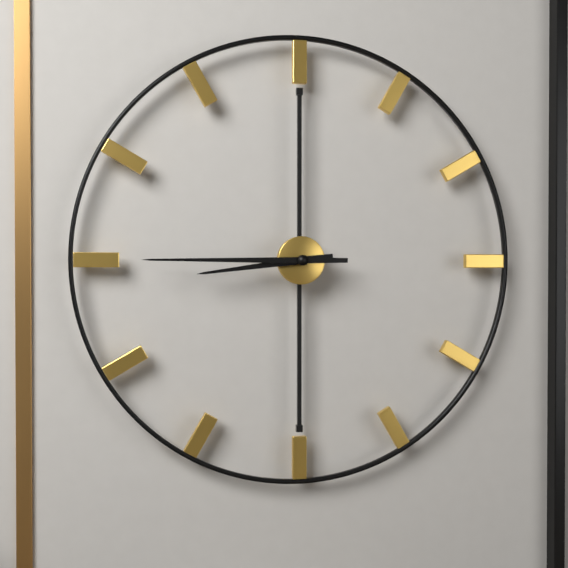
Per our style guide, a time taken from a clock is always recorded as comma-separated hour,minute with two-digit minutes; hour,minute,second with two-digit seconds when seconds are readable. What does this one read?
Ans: 8,45
